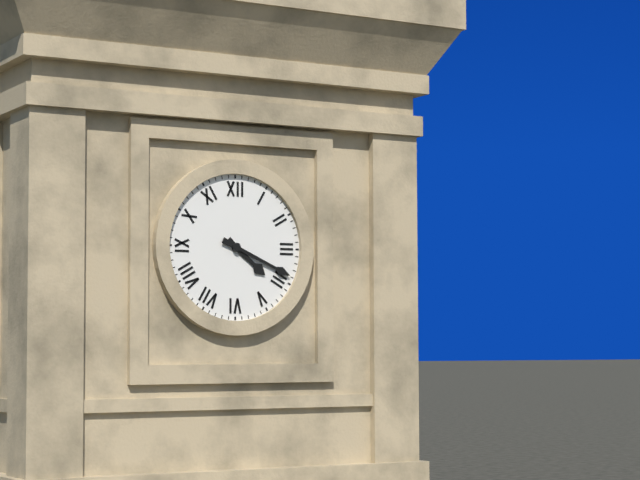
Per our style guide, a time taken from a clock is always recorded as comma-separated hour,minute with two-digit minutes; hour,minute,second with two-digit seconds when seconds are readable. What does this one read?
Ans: 4,19
